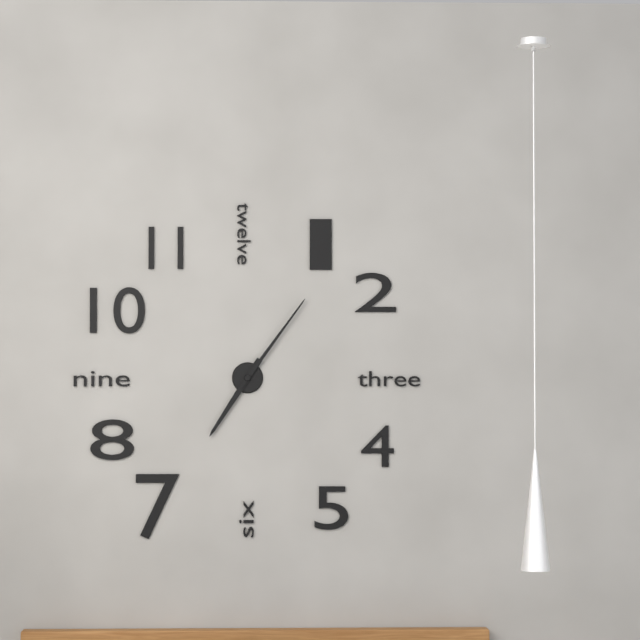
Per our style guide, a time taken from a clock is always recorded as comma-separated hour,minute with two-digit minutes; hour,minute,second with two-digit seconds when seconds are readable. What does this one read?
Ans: 7,06
